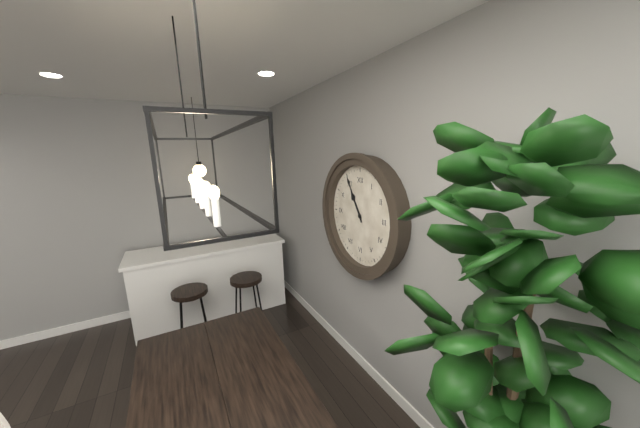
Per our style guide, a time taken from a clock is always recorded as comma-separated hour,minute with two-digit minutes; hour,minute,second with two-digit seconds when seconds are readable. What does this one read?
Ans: 10,55
